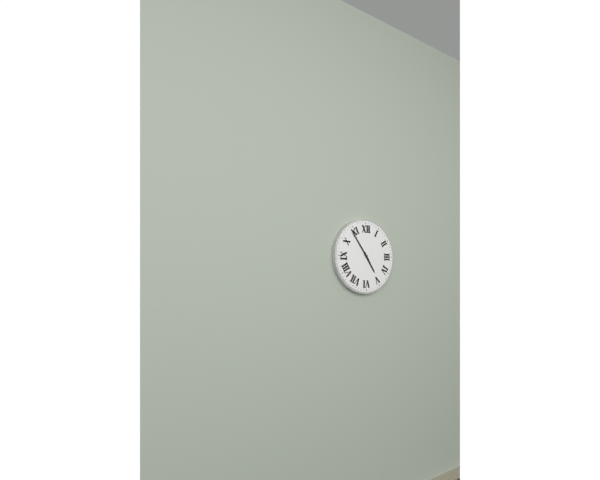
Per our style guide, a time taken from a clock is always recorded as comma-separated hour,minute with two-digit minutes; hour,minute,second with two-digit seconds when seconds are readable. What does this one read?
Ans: 4,54
